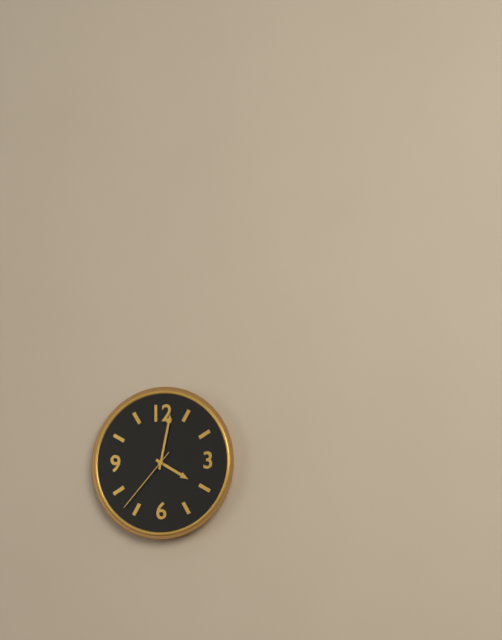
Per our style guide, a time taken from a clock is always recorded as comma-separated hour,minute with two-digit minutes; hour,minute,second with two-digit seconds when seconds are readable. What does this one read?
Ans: 4,02,37
